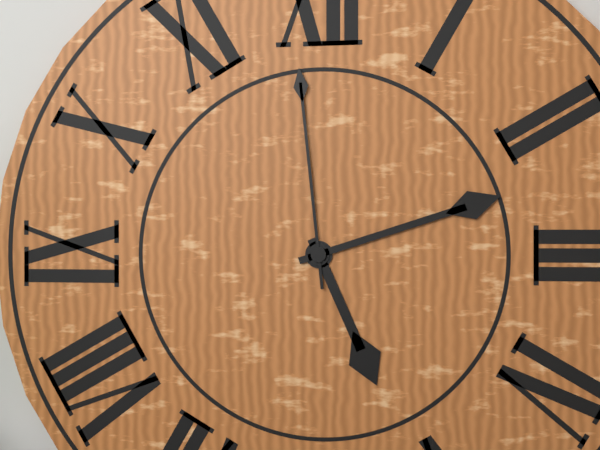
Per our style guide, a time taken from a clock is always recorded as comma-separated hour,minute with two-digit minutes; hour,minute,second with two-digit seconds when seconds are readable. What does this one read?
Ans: 5,12,59
